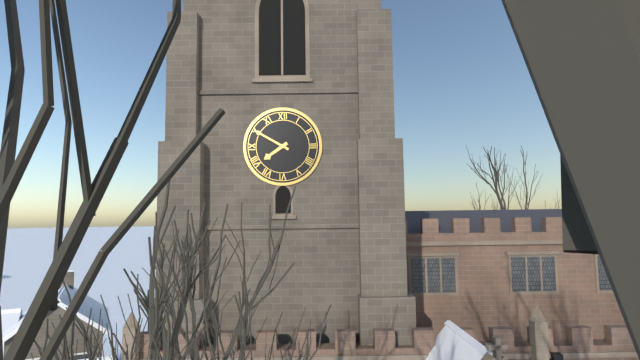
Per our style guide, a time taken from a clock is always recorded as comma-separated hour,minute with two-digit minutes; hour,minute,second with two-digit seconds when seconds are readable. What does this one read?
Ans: 7,50
